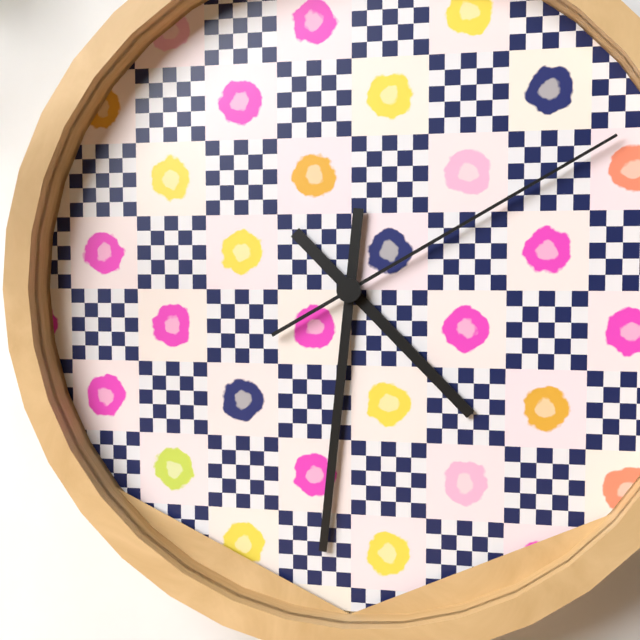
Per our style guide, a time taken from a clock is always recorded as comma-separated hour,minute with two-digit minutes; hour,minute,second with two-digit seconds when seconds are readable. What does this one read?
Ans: 4,31,10
